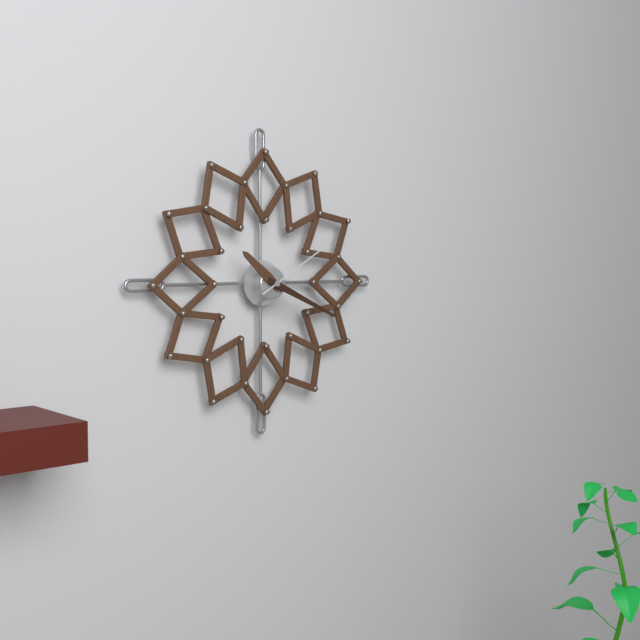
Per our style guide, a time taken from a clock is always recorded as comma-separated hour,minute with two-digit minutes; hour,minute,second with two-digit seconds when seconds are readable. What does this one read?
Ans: 10,19,10
